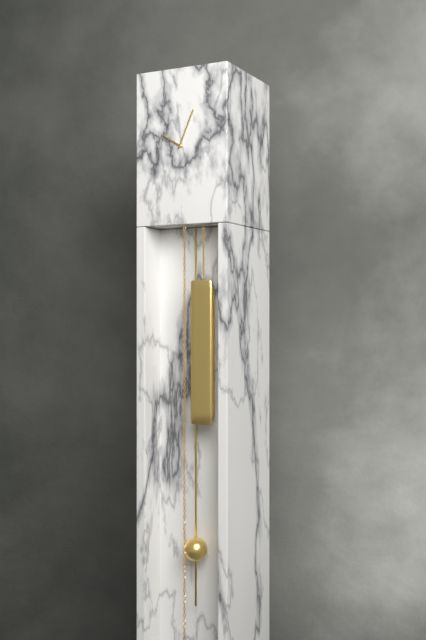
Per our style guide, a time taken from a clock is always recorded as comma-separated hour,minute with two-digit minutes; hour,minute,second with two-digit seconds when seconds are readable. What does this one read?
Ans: 10,04
